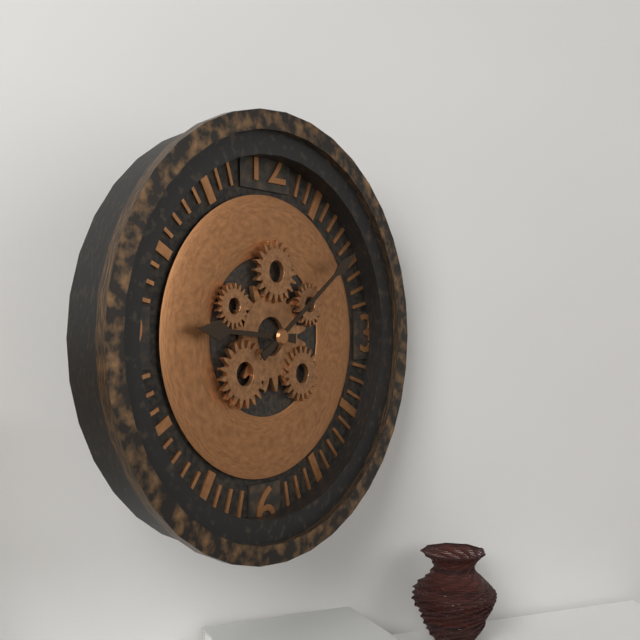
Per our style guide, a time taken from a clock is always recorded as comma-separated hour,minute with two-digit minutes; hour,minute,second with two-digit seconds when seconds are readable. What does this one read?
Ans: 9,09
